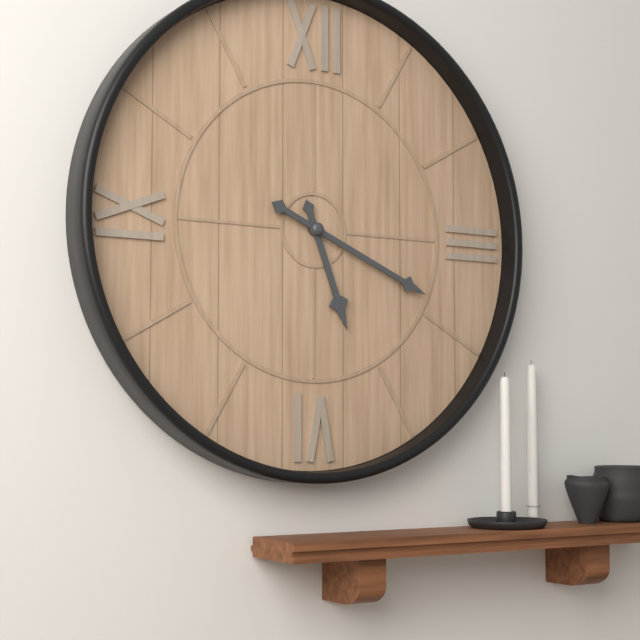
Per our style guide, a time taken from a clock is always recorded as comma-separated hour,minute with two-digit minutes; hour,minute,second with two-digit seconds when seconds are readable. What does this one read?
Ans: 5,19
